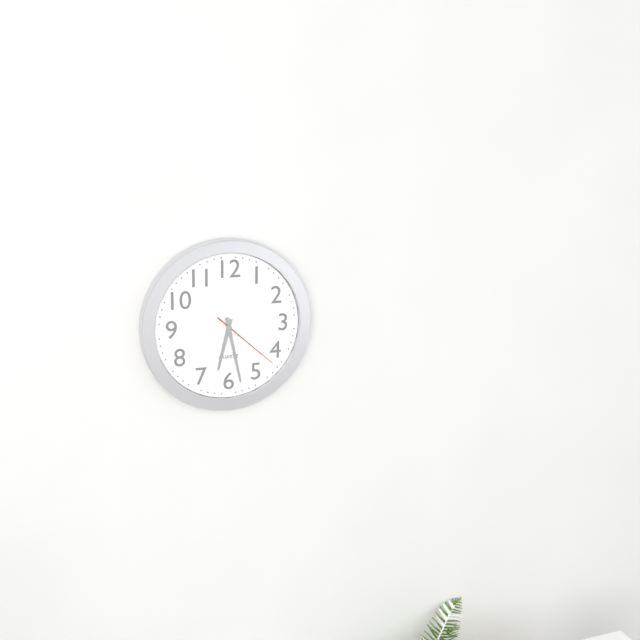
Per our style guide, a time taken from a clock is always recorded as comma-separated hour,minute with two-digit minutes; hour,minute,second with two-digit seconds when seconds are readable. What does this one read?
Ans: 6,28,22
